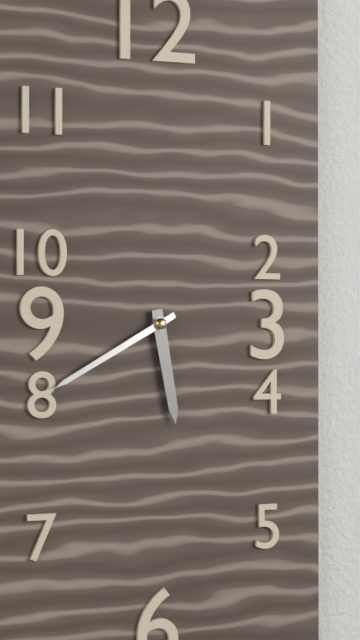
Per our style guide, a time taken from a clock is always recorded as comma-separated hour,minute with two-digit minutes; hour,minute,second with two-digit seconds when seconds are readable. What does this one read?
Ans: 5,40
